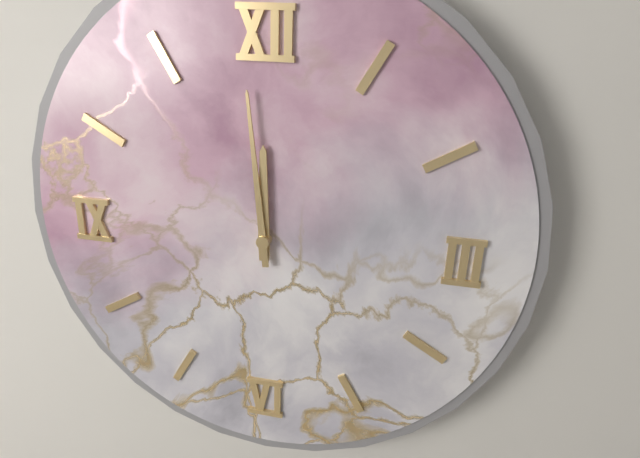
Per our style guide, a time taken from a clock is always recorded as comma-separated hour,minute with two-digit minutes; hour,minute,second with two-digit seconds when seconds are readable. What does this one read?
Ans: 11,59
